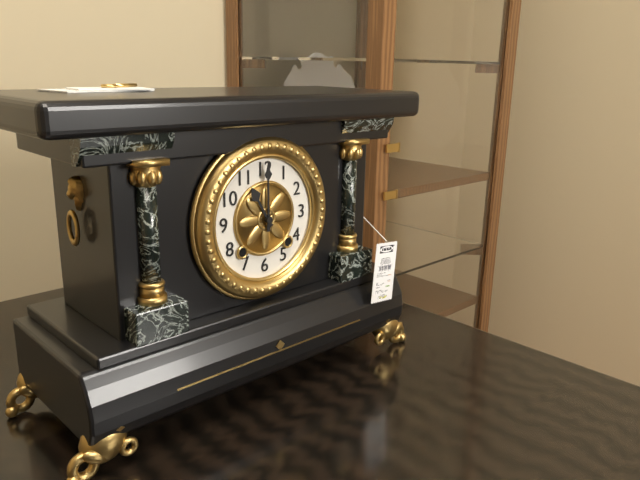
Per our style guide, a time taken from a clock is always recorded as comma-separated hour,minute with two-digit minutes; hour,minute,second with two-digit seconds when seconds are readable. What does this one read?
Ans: 11,00
